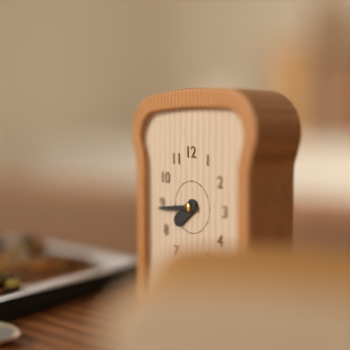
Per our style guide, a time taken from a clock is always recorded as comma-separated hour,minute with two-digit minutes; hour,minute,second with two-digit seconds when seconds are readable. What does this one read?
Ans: 7,44
